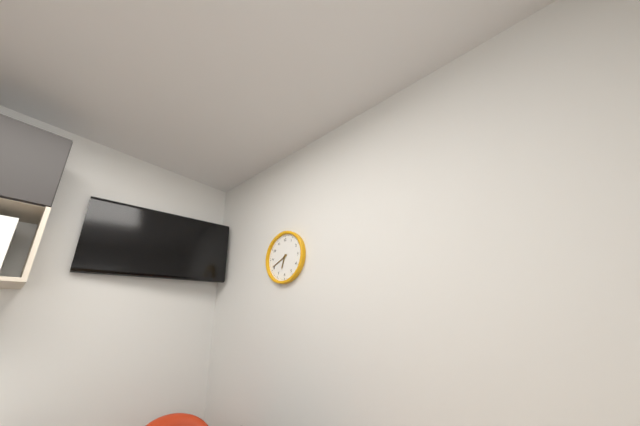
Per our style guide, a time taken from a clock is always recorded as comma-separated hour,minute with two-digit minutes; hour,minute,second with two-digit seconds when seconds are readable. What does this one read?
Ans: 6,41
